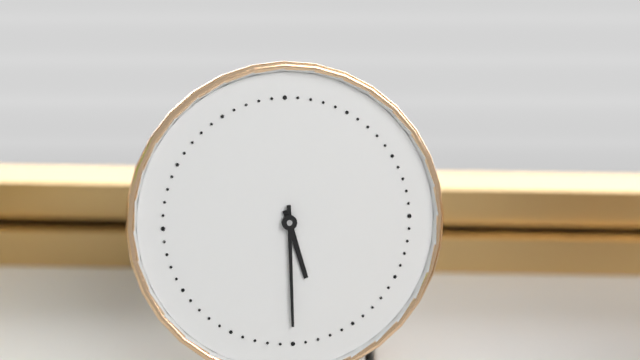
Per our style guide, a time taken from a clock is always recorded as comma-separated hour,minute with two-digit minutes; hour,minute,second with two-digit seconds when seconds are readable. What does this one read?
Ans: 5,30
